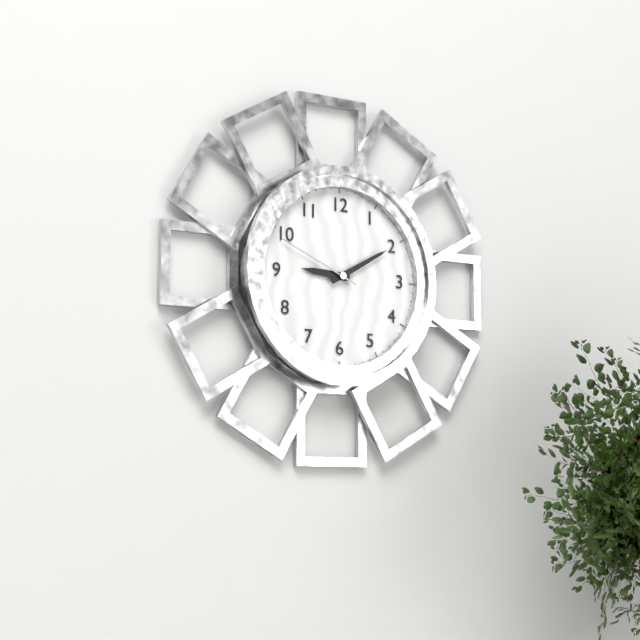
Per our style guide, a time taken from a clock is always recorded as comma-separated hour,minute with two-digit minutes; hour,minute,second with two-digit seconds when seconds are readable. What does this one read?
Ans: 9,10,49
